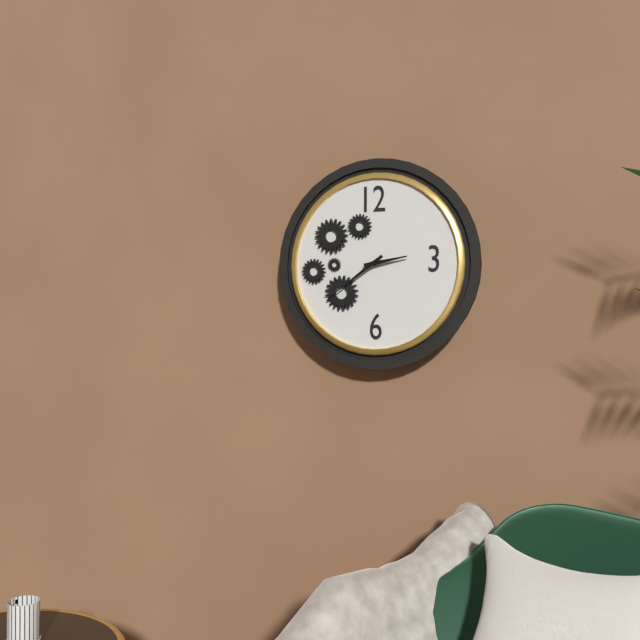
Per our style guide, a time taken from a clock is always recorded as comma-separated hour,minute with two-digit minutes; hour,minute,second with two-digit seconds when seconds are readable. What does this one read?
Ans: 2,39
